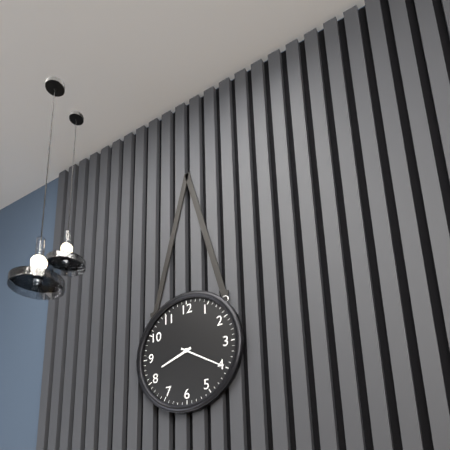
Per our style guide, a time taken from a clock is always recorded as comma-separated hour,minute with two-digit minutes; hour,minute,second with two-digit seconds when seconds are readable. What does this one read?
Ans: 8,20
